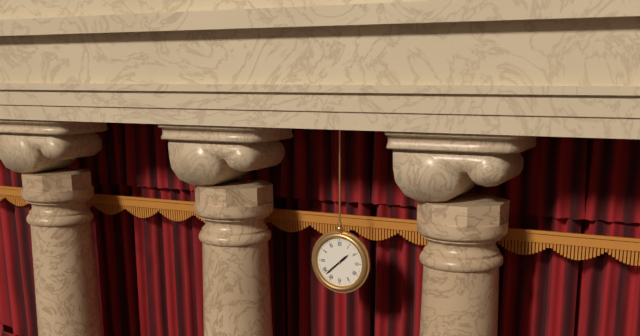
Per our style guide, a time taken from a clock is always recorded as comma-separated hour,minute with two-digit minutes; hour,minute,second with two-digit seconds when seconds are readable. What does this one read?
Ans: 1,38
